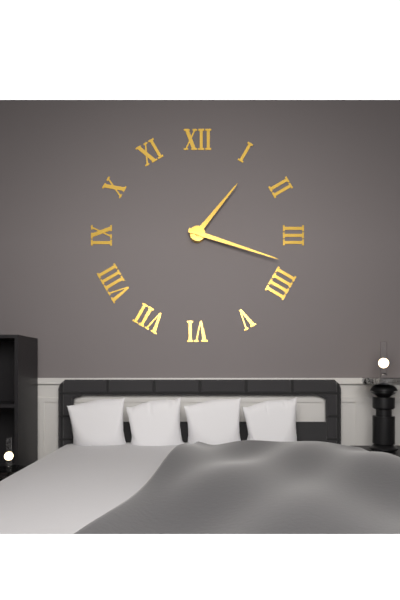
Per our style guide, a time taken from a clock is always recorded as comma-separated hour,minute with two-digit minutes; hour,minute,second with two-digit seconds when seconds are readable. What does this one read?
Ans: 1,18
